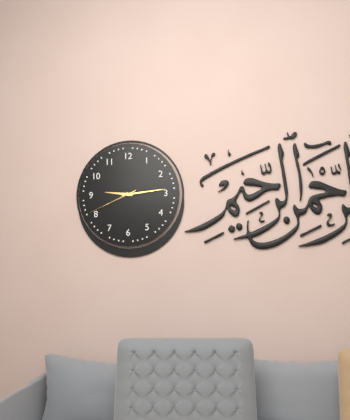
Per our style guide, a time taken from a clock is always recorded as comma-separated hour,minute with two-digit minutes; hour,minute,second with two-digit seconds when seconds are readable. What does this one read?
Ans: 9,14,41
